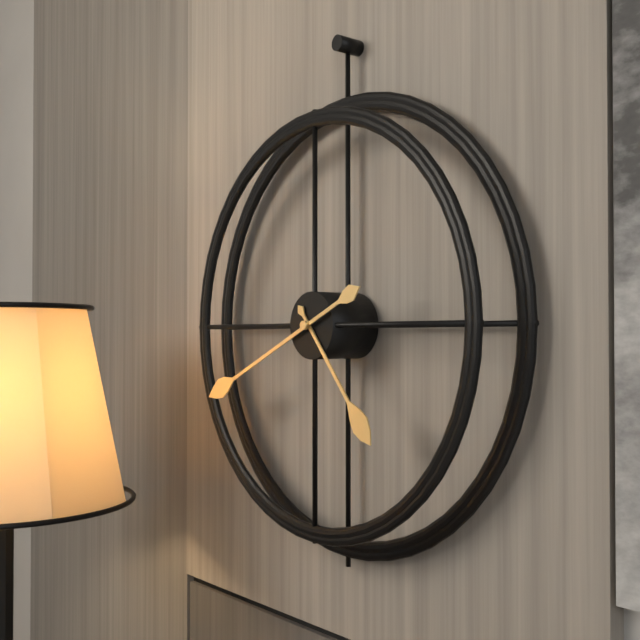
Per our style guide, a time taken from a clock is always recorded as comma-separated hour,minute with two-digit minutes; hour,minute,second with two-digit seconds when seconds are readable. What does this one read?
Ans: 4,41
